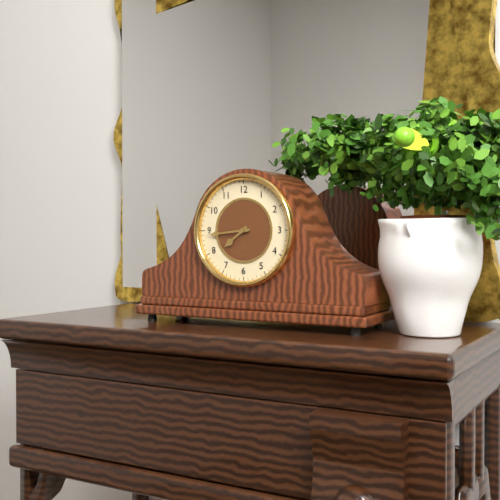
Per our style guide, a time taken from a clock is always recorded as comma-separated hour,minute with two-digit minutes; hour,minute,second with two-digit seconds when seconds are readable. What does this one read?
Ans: 7,44
